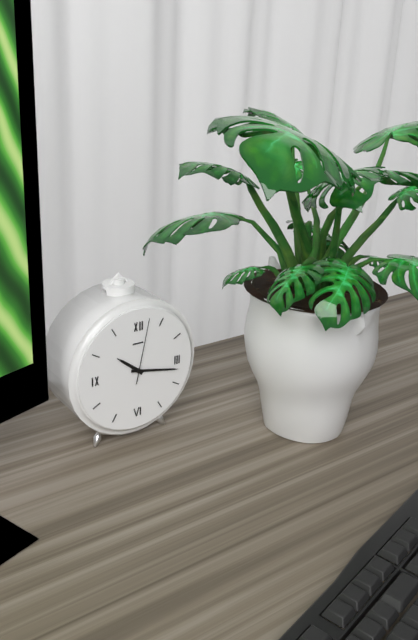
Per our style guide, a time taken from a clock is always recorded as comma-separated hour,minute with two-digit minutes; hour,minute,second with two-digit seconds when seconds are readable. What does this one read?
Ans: 10,17,02
